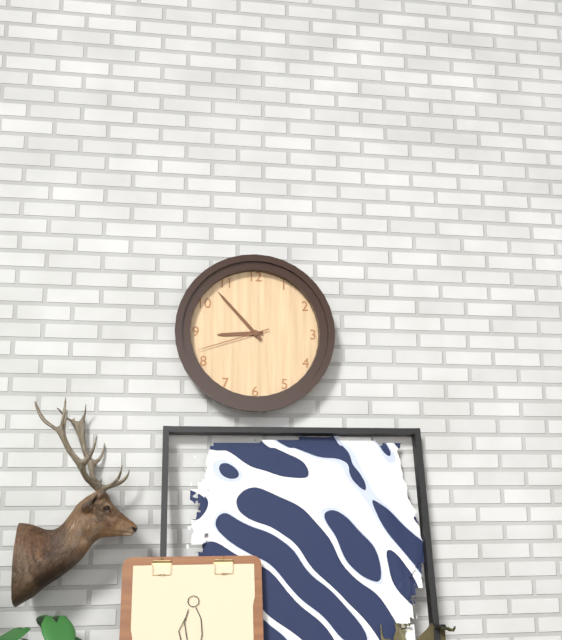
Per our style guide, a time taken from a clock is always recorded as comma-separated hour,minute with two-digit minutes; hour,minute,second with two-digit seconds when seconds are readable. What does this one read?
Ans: 8,53,42
